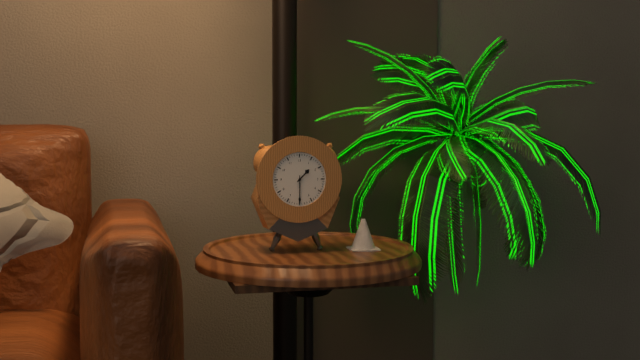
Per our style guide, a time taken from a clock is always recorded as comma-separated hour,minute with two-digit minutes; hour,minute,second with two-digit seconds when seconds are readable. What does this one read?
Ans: 1,30
